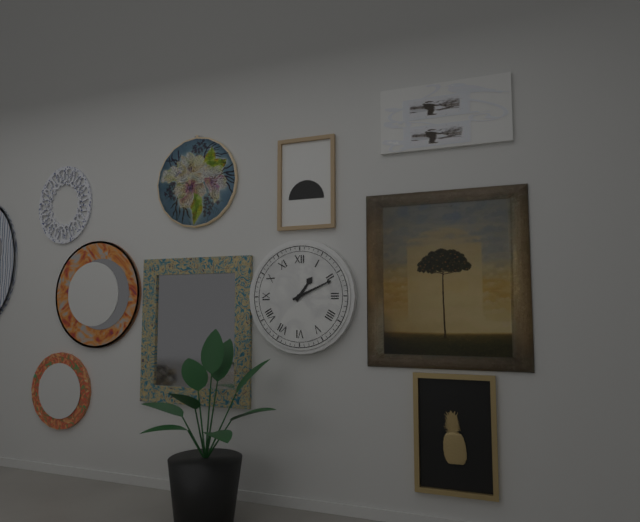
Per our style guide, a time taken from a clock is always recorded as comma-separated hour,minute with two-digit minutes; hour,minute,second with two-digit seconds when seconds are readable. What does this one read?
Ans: 1,11
